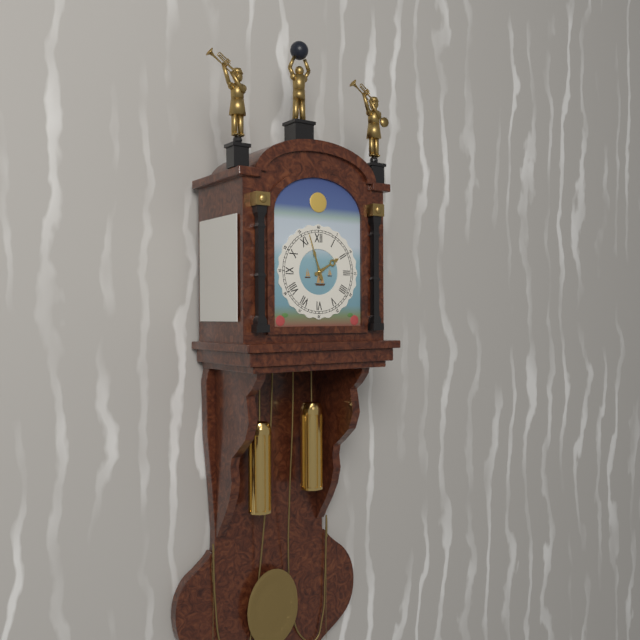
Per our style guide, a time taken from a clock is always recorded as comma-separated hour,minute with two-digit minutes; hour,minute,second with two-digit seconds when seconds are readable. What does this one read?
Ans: 1,57
